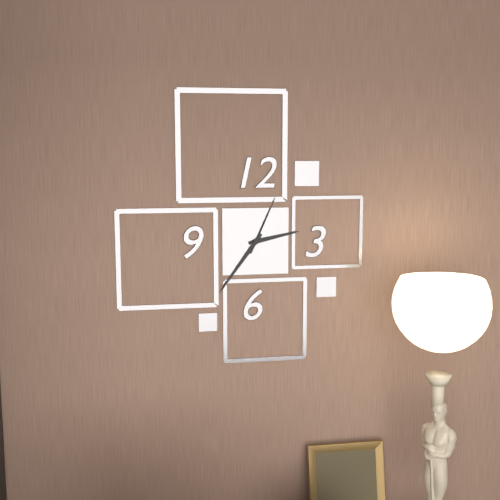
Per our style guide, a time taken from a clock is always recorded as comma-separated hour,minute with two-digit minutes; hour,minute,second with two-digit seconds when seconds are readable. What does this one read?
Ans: 2,36,04
